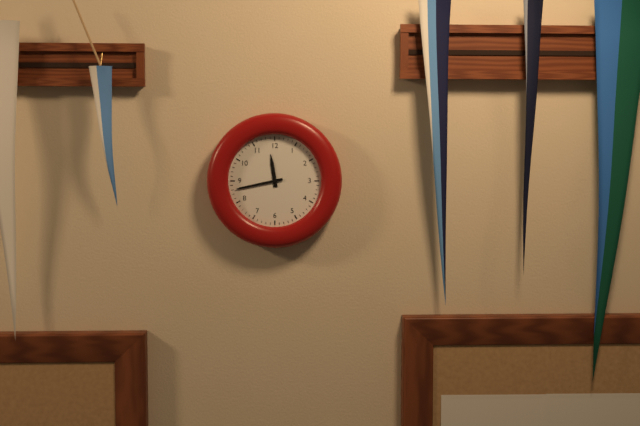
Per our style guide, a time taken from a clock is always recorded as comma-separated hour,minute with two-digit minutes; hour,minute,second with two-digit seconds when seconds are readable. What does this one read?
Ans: 11,43
